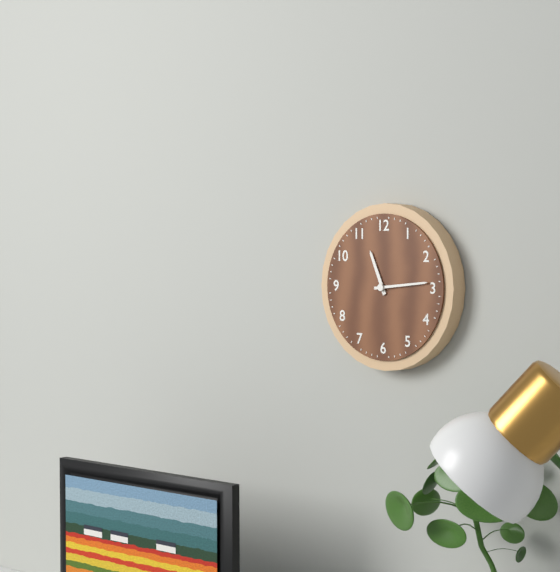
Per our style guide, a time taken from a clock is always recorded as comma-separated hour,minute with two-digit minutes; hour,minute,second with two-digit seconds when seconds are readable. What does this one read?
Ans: 11,14
